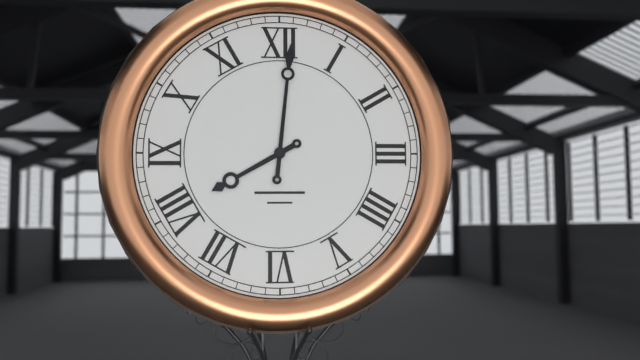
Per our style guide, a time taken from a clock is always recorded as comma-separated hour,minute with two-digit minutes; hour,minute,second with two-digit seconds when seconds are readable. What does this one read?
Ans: 8,01
